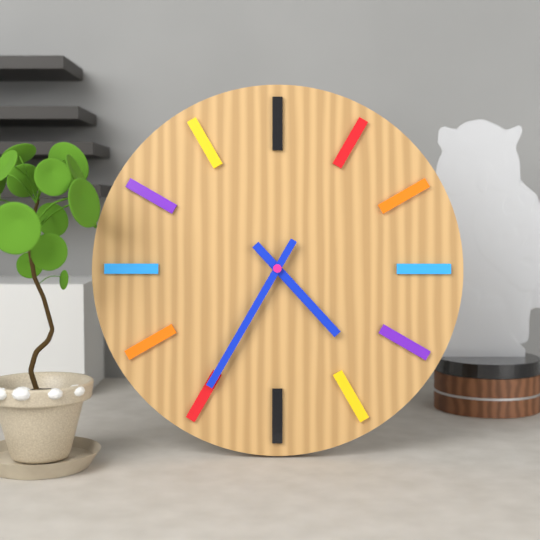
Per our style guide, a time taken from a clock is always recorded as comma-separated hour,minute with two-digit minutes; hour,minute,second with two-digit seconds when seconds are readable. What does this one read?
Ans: 4,35
